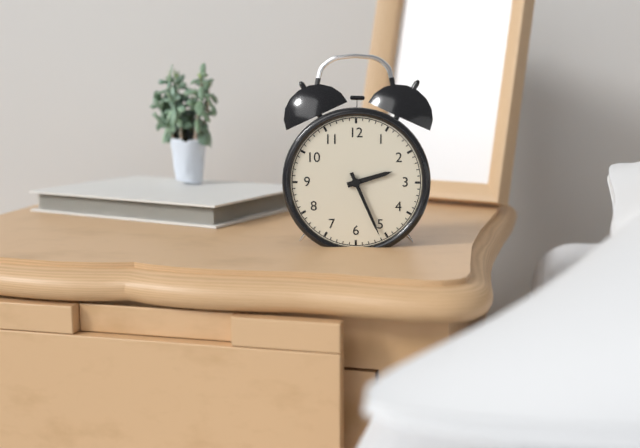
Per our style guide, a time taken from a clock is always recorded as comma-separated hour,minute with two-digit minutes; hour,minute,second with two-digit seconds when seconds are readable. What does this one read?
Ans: 2,26
